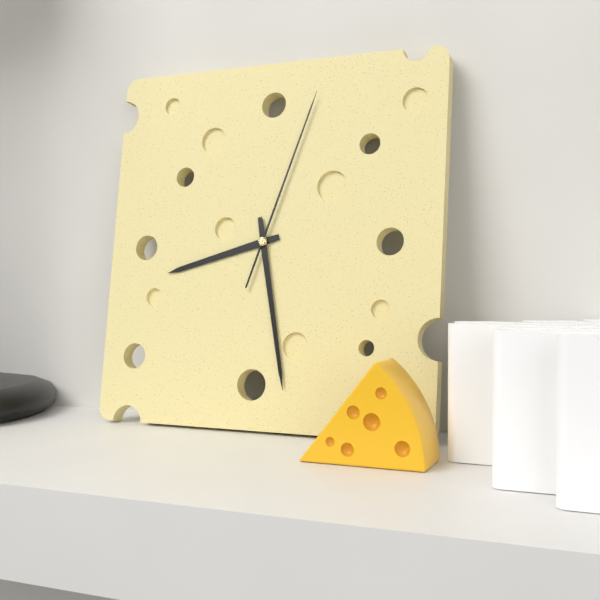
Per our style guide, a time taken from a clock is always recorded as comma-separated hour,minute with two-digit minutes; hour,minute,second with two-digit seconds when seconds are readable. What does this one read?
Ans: 8,28,03
